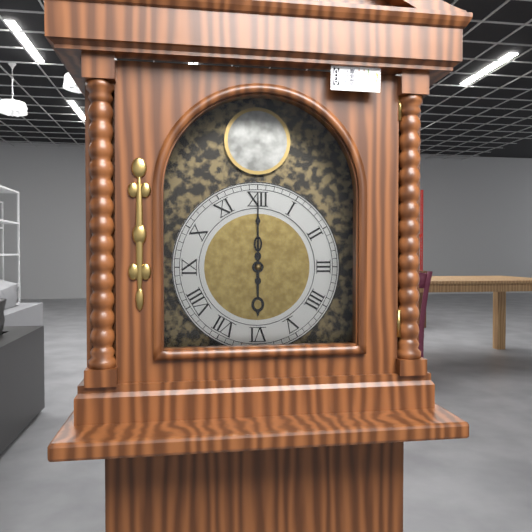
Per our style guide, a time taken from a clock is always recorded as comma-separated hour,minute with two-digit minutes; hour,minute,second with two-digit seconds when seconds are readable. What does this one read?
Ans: 6,00
